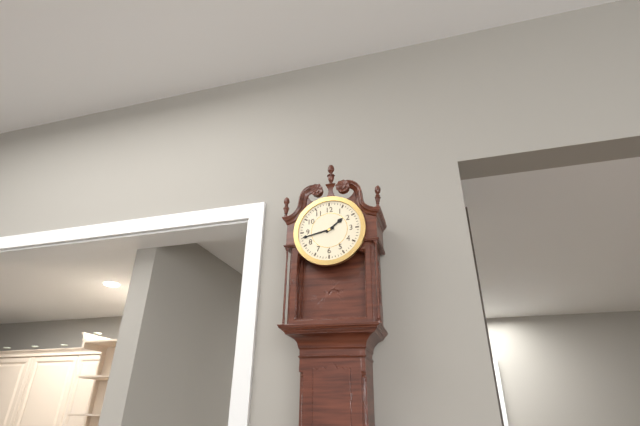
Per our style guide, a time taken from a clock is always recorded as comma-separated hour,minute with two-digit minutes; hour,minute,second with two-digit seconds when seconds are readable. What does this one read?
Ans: 1,43
